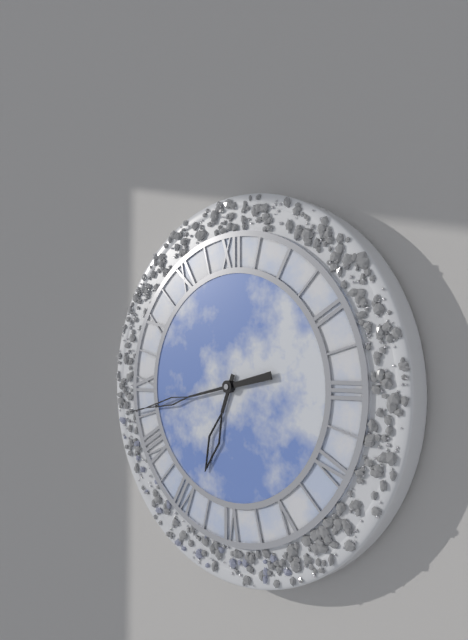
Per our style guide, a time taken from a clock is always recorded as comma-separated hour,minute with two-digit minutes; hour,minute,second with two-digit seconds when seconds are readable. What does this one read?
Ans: 6,43
